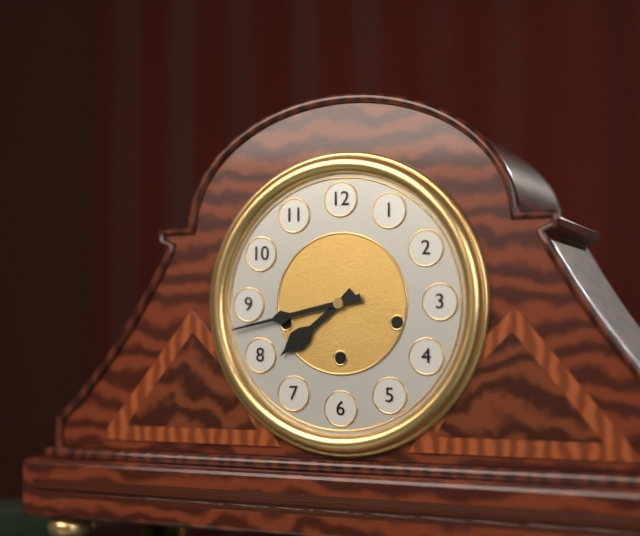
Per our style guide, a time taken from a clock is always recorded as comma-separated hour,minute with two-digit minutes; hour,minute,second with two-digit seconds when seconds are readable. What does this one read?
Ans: 7,43
